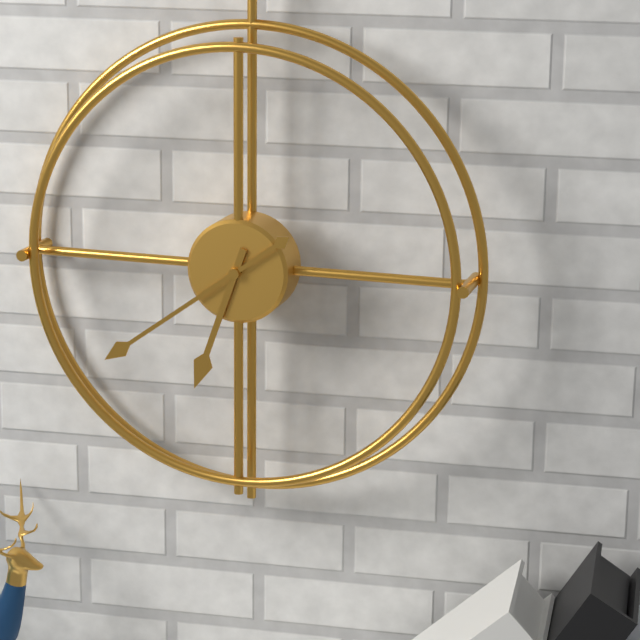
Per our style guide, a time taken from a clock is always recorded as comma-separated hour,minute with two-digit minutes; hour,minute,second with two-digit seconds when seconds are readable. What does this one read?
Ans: 6,39
